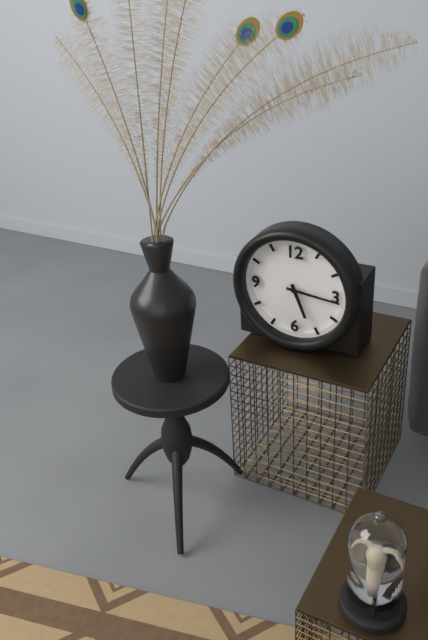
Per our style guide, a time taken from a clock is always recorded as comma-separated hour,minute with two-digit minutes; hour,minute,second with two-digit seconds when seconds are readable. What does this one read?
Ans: 5,16
